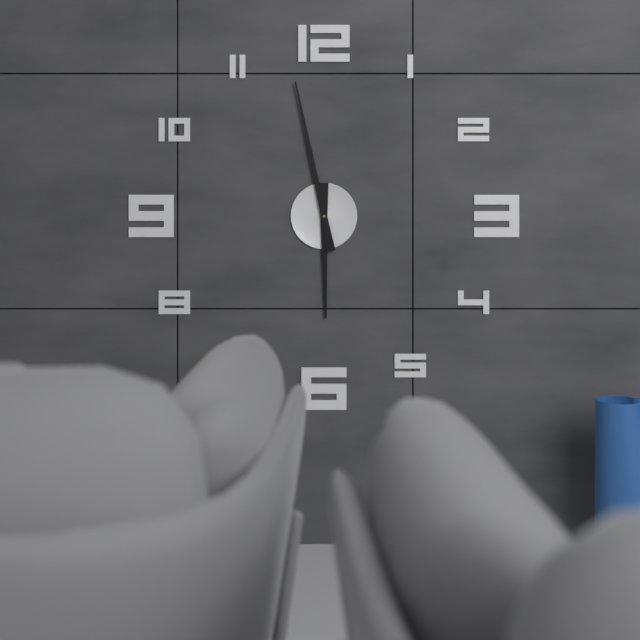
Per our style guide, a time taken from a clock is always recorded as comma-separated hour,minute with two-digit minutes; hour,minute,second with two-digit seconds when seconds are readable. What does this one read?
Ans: 5,58
